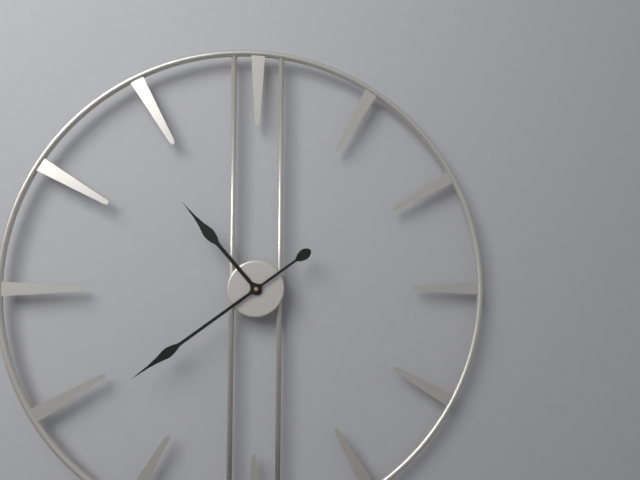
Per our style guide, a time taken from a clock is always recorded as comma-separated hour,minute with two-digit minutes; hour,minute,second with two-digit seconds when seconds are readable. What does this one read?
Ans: 10,39
